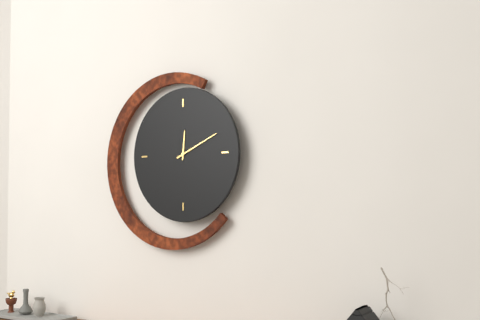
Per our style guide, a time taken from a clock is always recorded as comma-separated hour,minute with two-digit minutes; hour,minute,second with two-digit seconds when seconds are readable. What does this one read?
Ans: 12,11
